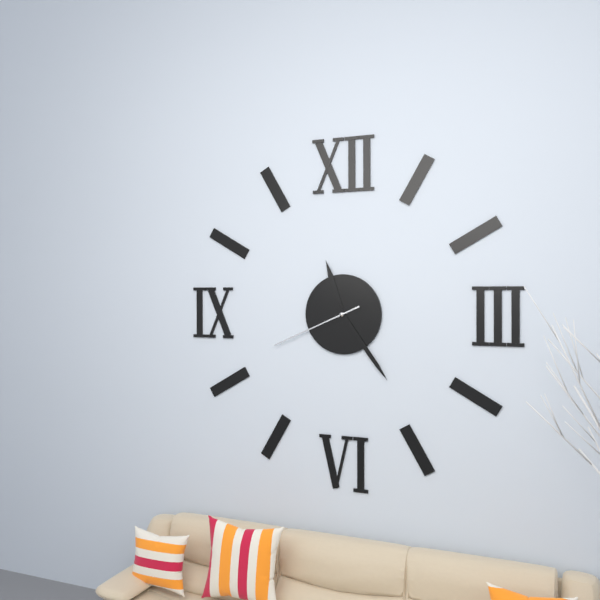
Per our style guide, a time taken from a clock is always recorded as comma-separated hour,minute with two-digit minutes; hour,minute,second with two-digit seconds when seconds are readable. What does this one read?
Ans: 11,24,41
